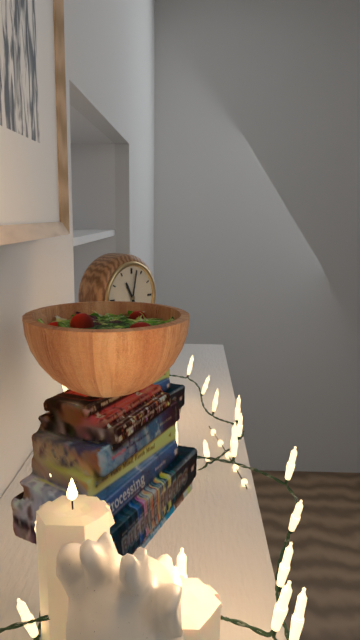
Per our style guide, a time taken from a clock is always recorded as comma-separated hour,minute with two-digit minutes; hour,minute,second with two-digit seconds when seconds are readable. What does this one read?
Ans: 11,02
